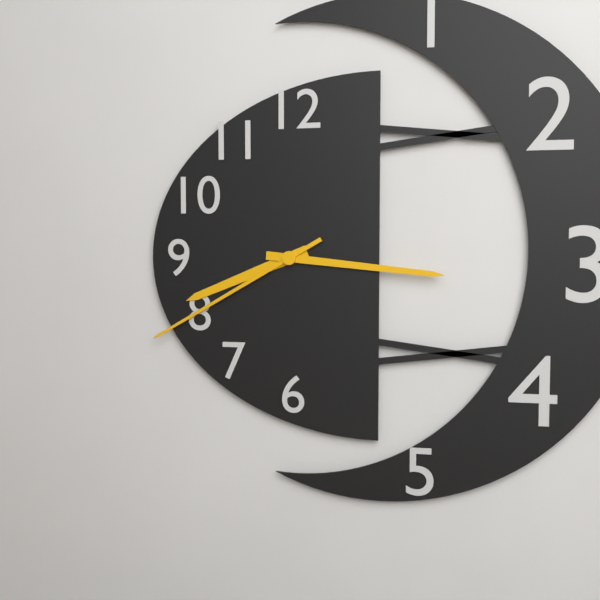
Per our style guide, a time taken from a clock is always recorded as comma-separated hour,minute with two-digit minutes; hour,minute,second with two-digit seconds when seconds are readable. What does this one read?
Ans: 8,16,40
